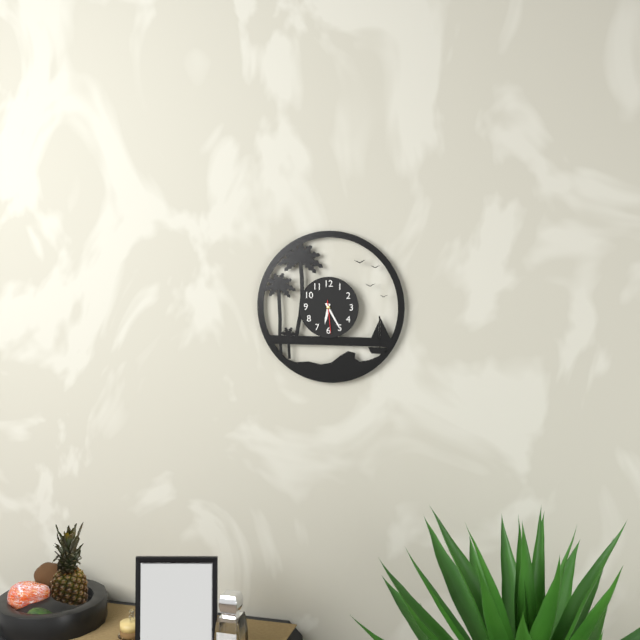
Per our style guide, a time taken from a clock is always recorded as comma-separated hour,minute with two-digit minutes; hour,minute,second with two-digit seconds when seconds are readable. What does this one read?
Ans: 6,25
